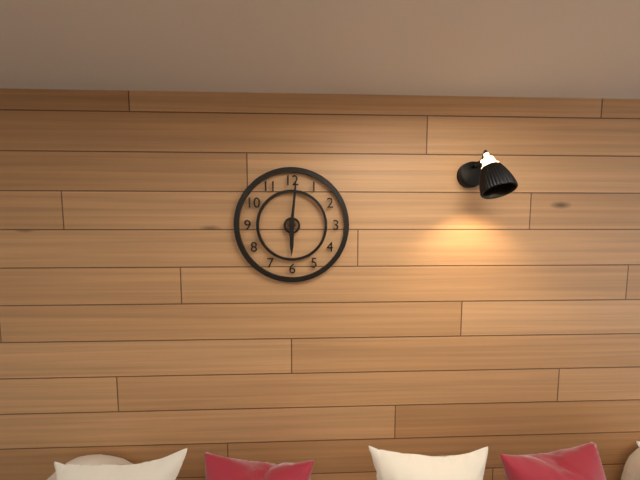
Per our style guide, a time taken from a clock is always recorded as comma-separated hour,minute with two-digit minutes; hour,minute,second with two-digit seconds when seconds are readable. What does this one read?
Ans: 6,01
